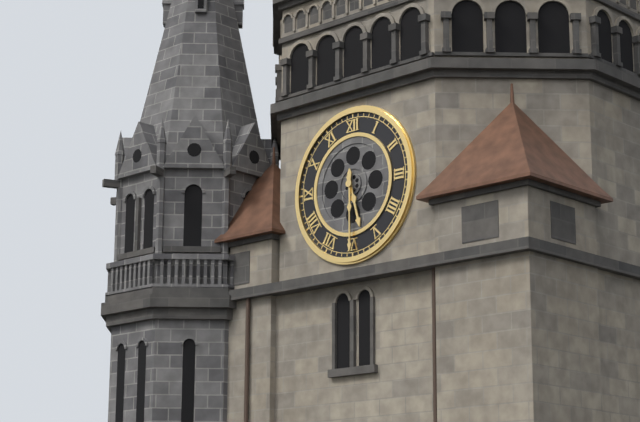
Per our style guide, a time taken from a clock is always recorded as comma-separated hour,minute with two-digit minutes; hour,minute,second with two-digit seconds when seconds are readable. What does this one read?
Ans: 5,30
